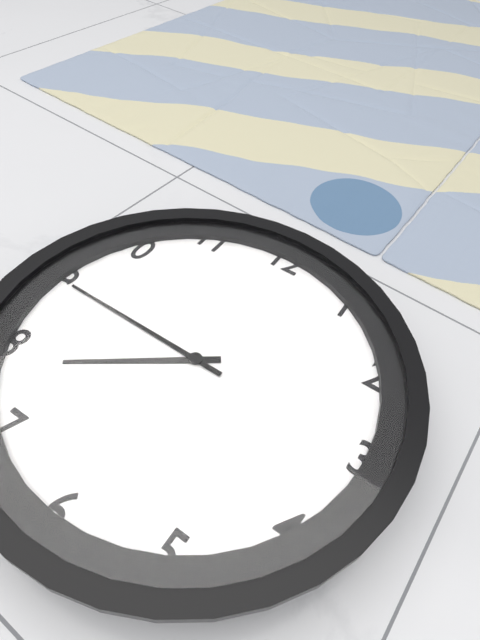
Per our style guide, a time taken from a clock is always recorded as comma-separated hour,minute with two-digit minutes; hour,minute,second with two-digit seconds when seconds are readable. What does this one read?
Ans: 7,45
